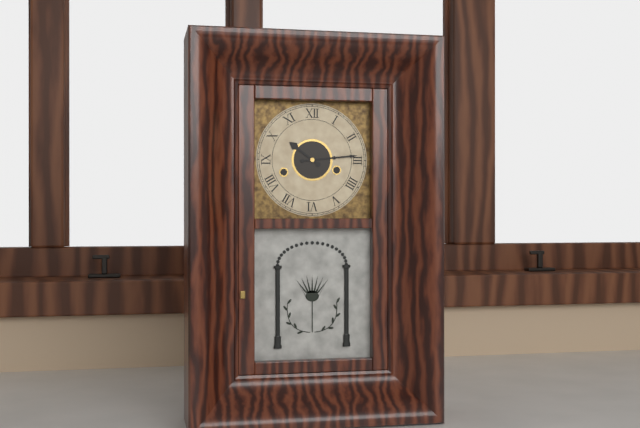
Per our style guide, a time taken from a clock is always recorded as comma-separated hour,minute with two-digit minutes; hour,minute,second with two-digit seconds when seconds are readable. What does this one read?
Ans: 10,14
